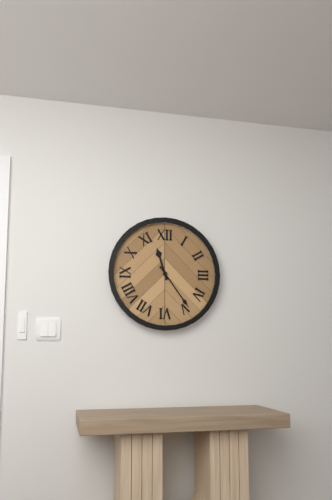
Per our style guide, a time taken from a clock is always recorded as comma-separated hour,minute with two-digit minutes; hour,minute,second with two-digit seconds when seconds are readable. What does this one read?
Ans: 11,24
